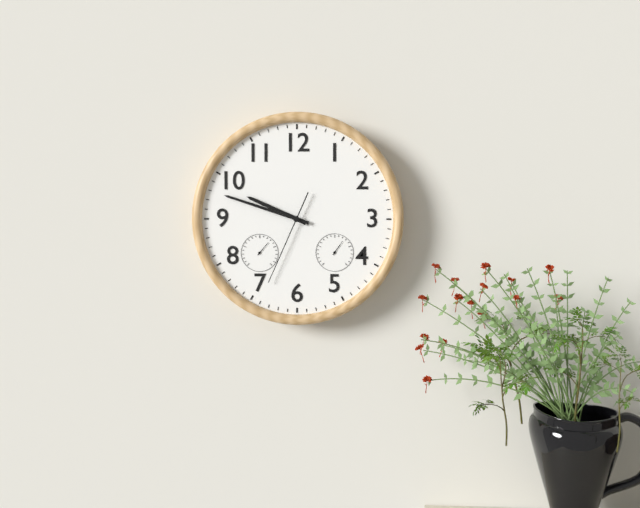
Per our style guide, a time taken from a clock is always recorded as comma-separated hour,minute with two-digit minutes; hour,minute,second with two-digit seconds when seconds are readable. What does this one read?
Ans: 9,48,34
